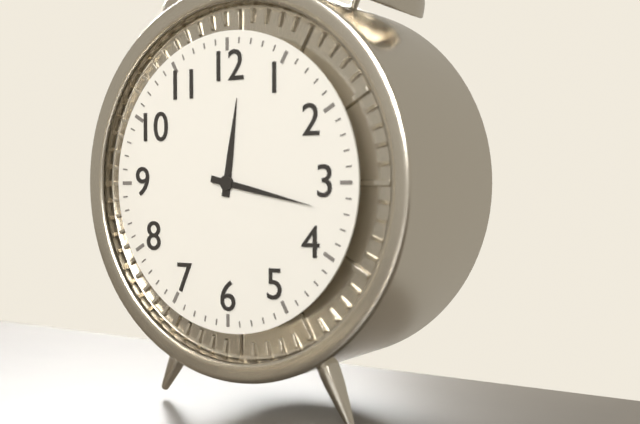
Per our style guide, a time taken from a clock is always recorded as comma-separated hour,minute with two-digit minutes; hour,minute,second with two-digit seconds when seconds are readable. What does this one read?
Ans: 12,17
